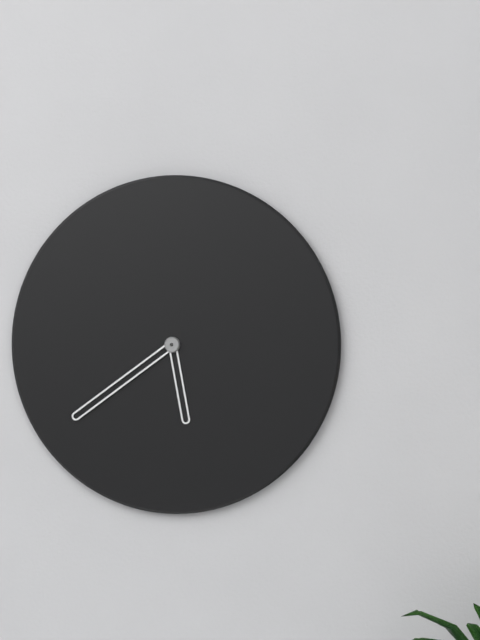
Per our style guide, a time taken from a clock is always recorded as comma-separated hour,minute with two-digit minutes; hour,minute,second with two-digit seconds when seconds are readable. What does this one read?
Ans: 5,39
